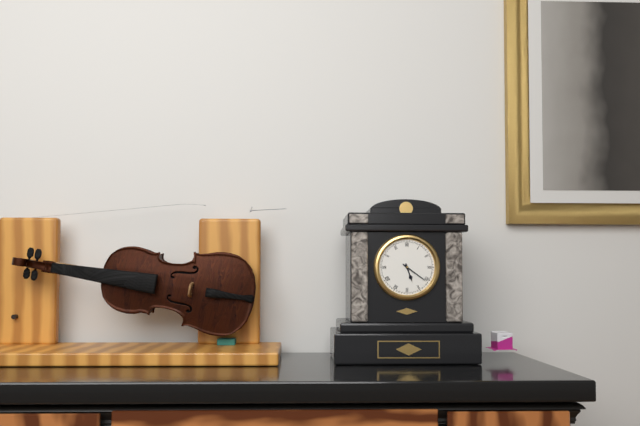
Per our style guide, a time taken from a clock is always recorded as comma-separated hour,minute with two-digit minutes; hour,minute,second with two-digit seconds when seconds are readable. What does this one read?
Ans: 5,21
